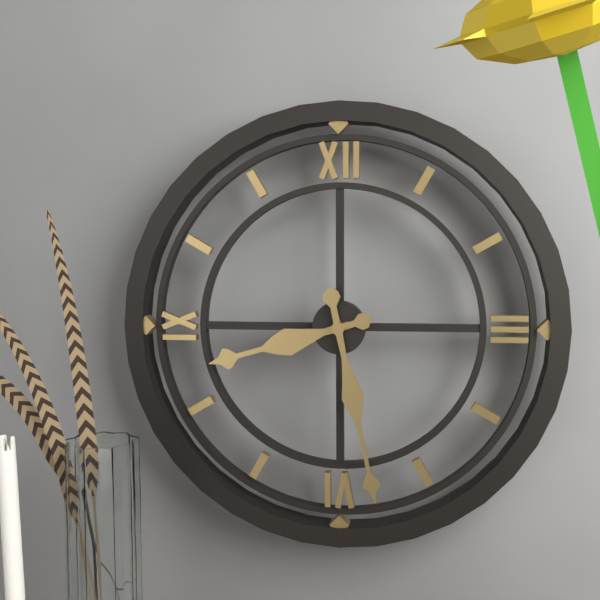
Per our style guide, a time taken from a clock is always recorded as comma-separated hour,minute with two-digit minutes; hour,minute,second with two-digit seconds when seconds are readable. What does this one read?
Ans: 8,28
